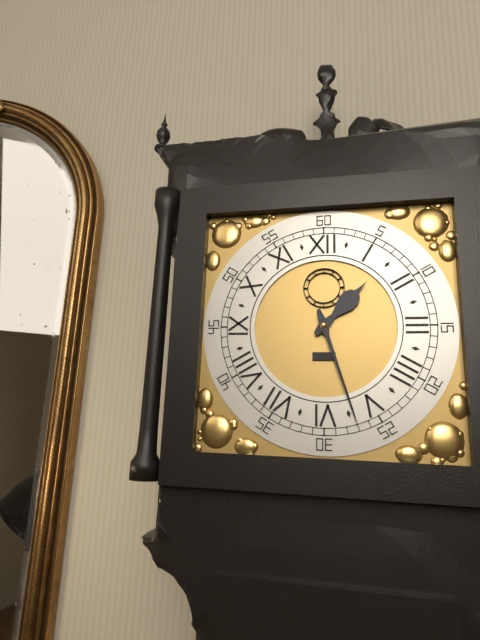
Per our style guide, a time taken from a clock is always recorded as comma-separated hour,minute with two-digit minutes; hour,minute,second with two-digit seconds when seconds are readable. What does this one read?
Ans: 1,27
